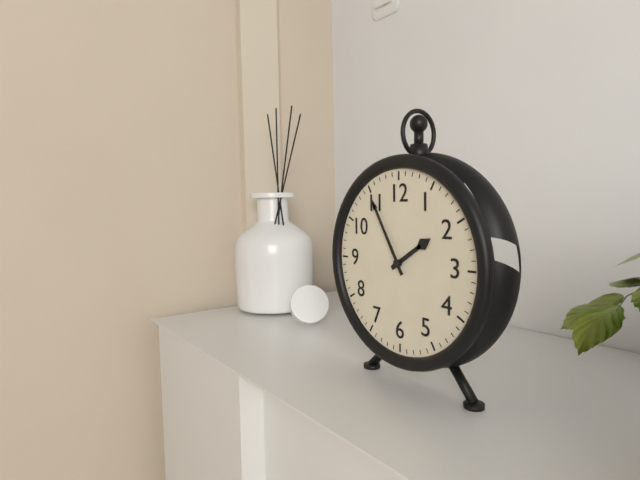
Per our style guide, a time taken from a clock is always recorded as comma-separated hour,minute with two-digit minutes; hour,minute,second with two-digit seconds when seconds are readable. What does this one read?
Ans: 1,55
